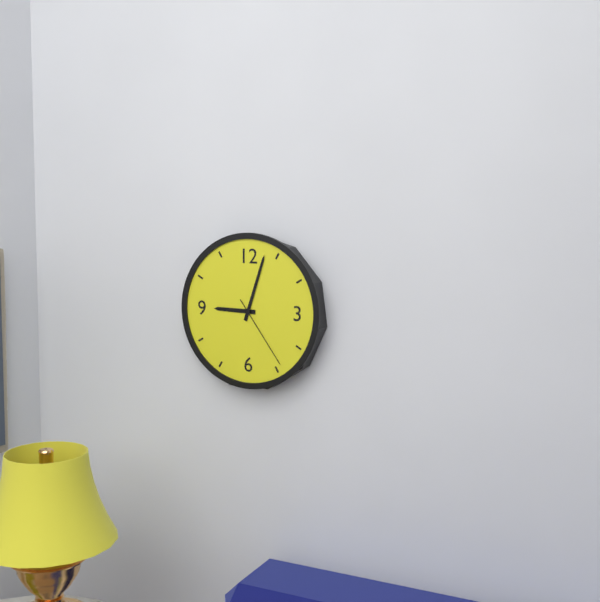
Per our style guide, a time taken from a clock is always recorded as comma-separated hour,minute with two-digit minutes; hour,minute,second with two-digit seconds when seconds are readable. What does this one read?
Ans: 9,03,24
